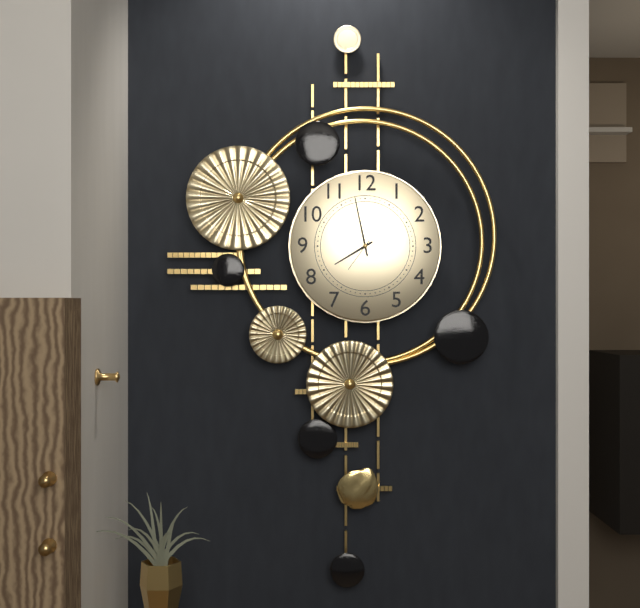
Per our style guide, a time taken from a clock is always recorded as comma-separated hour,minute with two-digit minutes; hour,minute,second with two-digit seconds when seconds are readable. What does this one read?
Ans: 7,58
